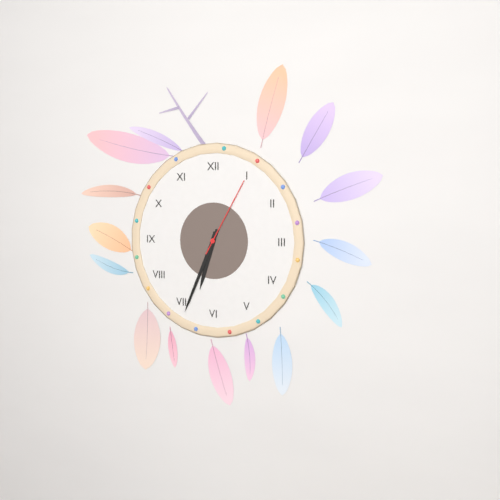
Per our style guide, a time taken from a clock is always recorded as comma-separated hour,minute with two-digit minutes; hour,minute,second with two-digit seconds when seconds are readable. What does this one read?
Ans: 6,34,05
